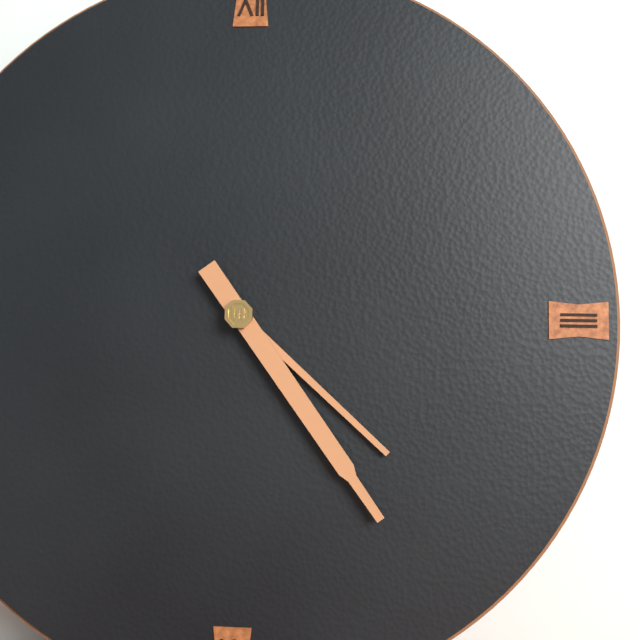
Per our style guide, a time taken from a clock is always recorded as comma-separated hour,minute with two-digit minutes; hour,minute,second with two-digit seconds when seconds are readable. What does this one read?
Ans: 4,24
